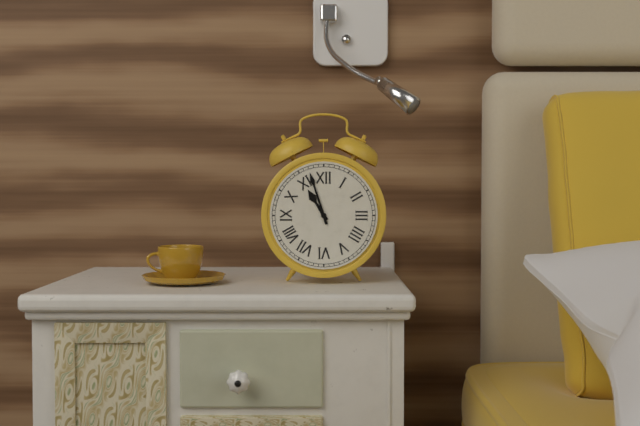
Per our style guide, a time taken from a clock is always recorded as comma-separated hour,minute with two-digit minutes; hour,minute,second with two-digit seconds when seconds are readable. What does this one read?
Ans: 10,57
